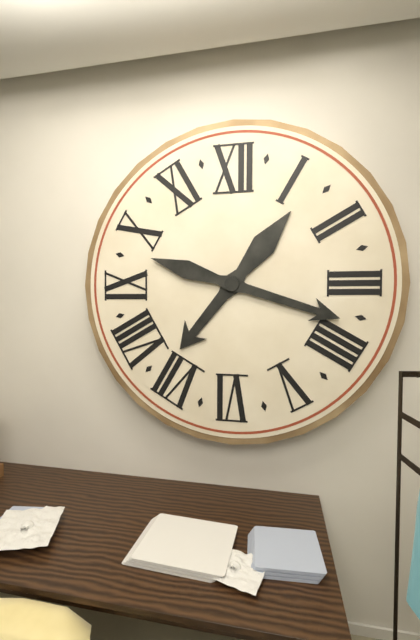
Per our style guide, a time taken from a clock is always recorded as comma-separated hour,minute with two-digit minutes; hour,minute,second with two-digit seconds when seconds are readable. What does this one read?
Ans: 7,18
